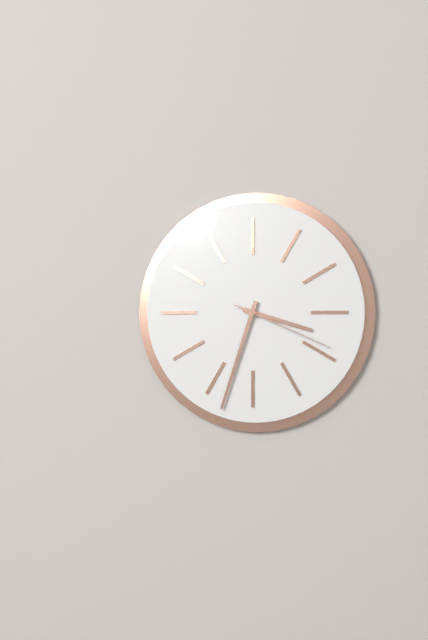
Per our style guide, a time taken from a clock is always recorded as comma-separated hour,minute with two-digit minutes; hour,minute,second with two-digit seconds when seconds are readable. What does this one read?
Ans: 3,33,19
